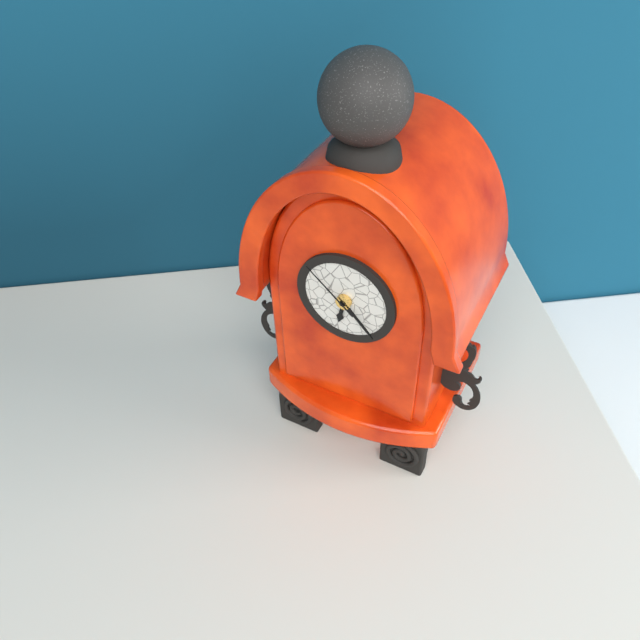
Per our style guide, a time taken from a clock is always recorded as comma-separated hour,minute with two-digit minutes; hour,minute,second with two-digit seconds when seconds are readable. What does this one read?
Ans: 6,23,52
